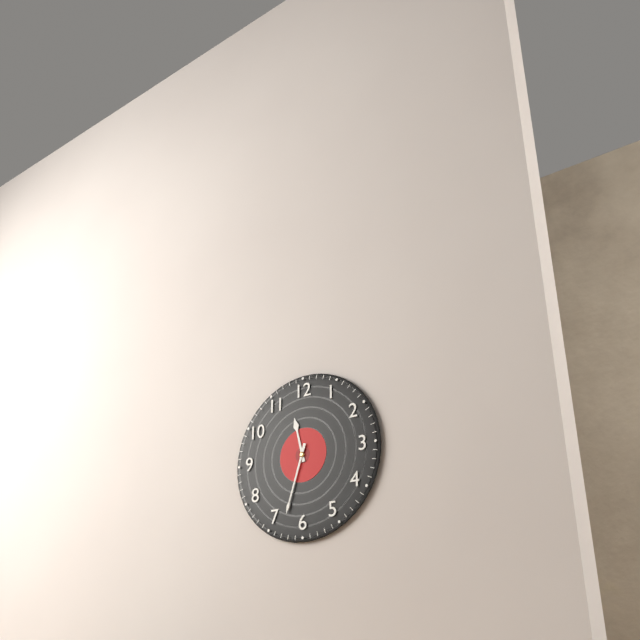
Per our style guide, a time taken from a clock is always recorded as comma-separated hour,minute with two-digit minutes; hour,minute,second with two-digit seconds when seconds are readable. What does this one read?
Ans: 11,33
